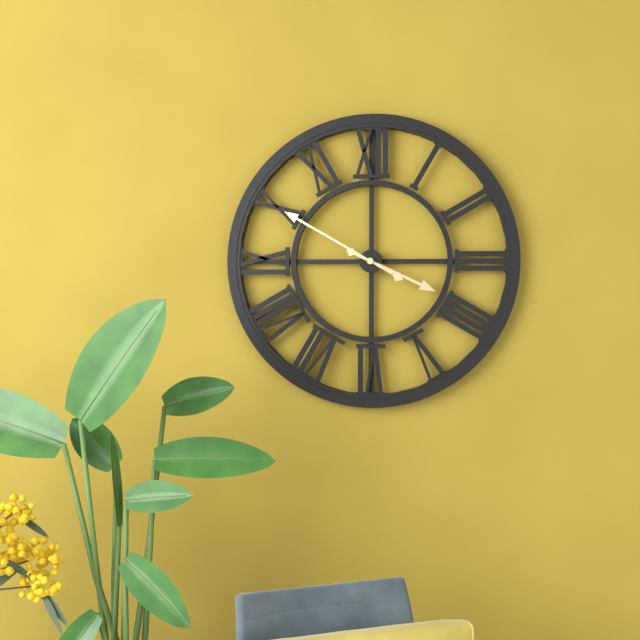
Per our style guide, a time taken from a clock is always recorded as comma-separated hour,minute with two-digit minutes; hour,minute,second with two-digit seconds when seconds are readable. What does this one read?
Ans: 3,50
